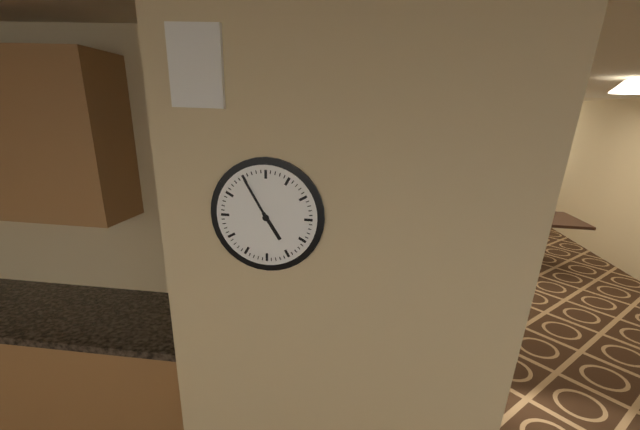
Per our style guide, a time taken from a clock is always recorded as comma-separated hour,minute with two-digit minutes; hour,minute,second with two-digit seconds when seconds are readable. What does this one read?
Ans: 4,55
